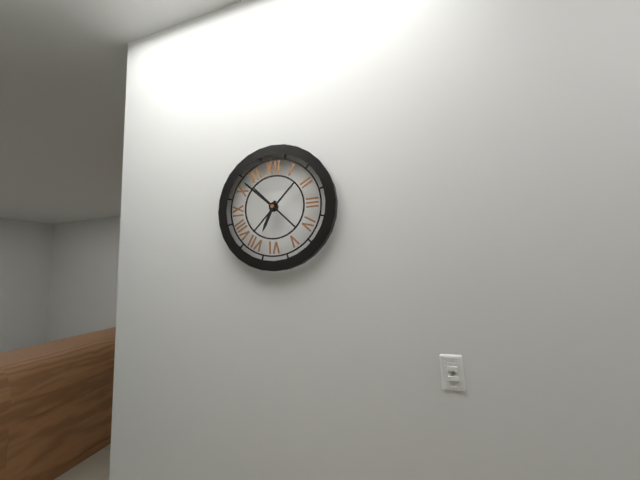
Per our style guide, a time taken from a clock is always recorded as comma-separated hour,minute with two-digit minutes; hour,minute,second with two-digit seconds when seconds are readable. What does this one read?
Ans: 6,52
